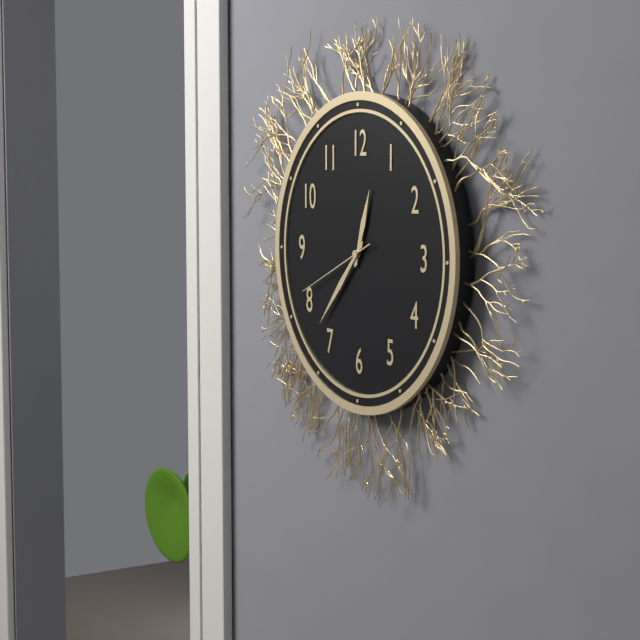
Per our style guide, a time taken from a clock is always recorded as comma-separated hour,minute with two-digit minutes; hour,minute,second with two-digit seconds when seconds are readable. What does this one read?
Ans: 12,37,41
